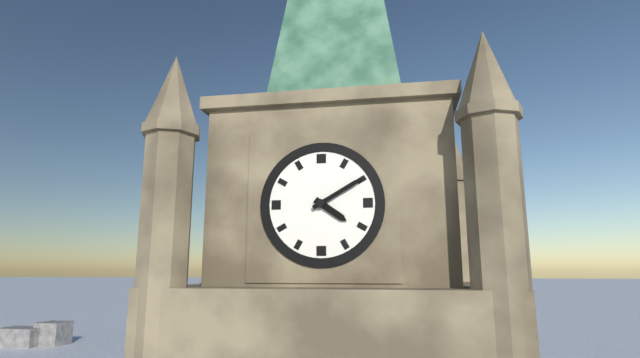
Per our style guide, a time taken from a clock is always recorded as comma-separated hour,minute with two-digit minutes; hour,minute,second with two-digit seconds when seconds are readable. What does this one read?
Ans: 4,10
